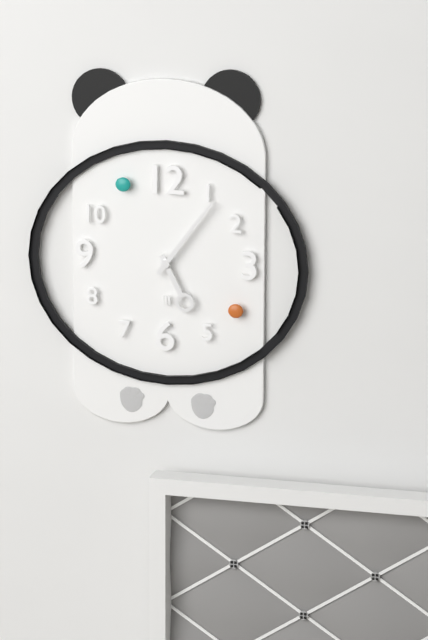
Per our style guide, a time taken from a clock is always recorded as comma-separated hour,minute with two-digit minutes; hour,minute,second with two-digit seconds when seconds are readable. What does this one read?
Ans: 5,06
